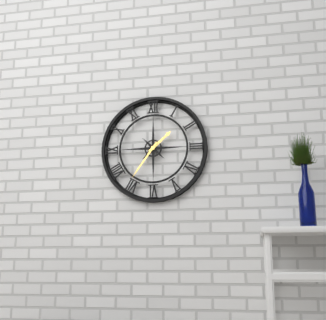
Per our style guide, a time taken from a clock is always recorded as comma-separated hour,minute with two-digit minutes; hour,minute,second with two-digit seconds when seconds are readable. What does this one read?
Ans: 1,36
